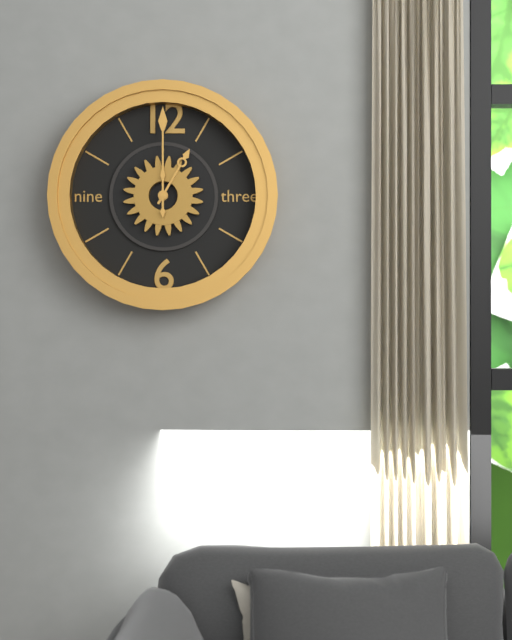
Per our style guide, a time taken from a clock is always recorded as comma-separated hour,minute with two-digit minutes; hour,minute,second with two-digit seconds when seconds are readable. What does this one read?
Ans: 1,00
